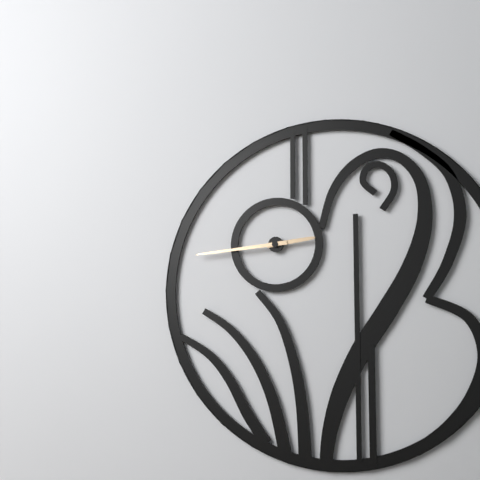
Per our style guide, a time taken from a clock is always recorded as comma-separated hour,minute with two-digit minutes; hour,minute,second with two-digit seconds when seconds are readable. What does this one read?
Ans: 2,44
